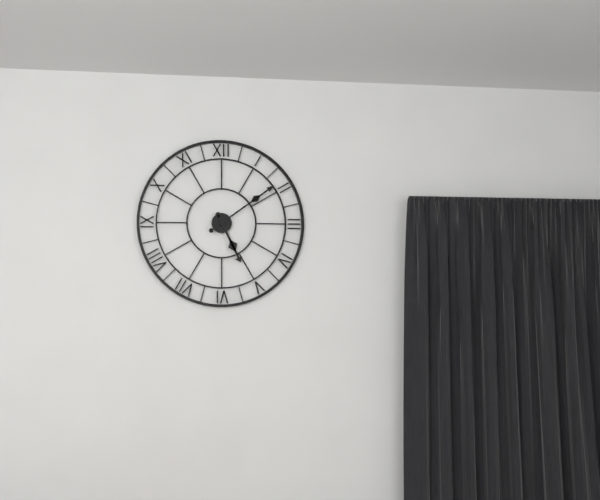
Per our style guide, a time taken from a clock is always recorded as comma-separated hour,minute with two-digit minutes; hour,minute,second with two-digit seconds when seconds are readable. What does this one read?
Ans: 5,09
